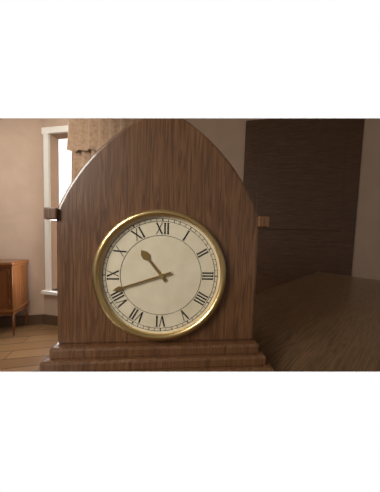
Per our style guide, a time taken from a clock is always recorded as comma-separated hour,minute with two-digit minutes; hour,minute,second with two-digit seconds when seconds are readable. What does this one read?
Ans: 10,42
